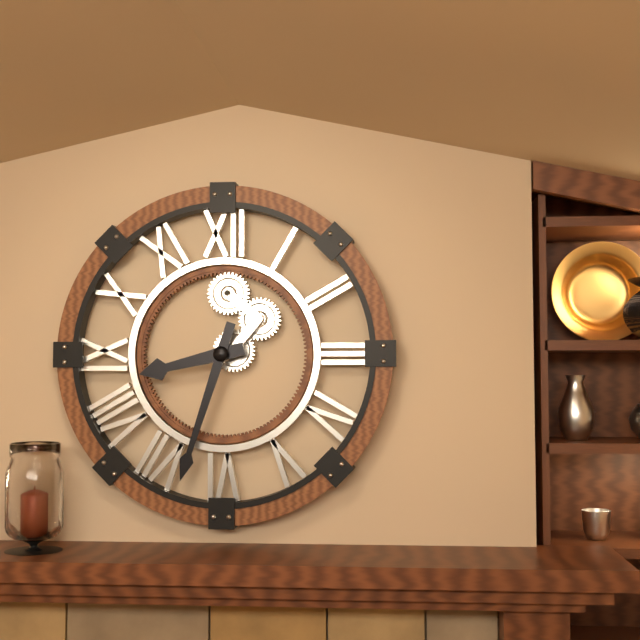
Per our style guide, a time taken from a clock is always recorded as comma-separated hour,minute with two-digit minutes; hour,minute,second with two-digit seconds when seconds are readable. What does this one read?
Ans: 8,33
